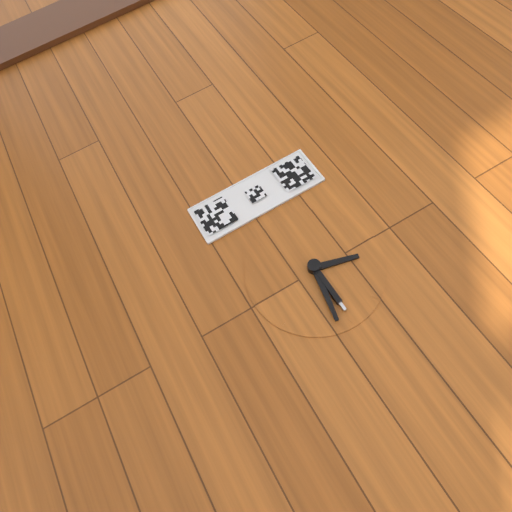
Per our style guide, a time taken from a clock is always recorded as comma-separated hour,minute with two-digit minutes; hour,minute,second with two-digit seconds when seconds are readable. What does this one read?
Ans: 3,32
